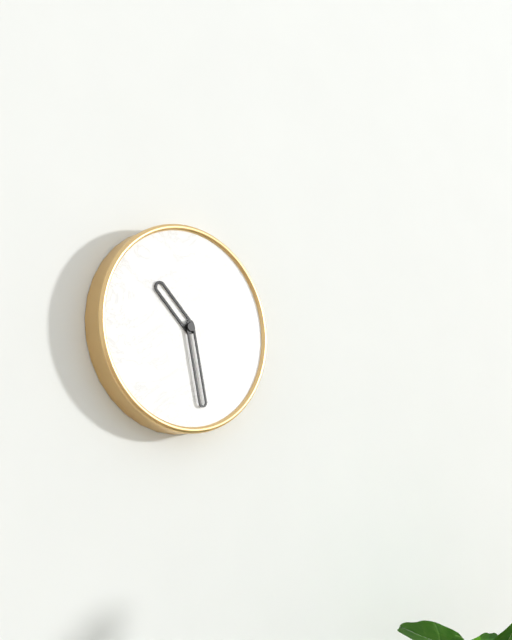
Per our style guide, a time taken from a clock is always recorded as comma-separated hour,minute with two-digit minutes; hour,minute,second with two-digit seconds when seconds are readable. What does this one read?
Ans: 10,28
